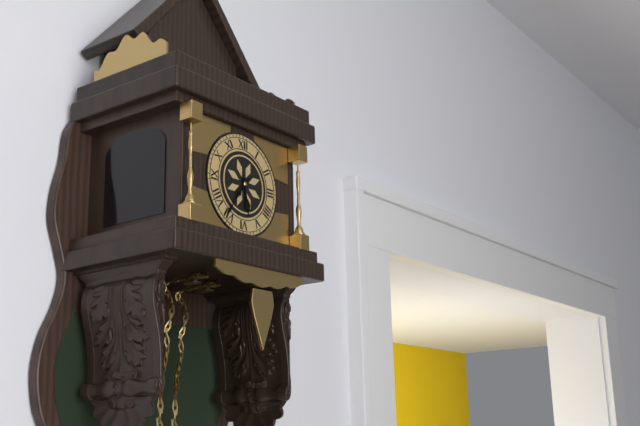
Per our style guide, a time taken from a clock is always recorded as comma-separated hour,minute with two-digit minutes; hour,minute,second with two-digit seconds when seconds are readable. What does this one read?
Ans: 5,36
